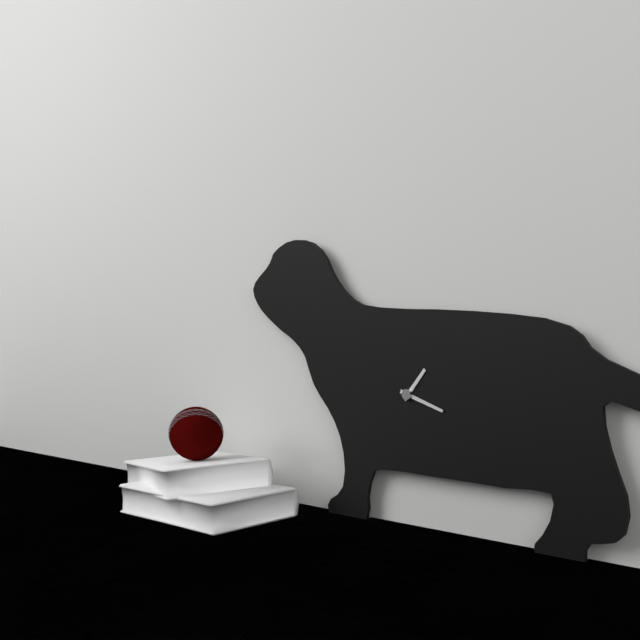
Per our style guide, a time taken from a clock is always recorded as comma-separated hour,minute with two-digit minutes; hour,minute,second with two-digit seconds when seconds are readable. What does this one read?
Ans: 1,18
